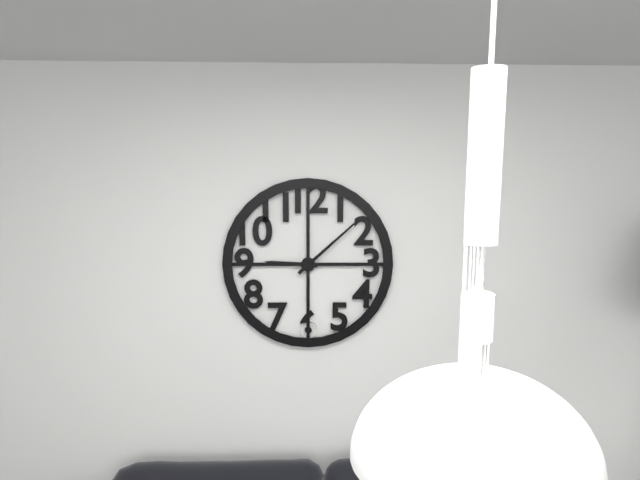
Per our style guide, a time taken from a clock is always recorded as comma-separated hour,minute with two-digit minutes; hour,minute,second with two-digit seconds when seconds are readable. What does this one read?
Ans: 9,08
